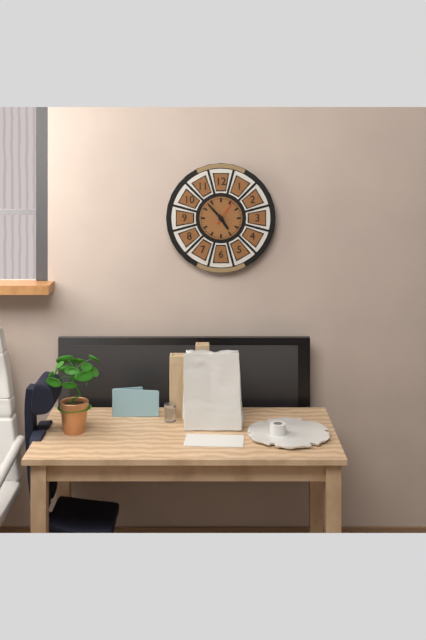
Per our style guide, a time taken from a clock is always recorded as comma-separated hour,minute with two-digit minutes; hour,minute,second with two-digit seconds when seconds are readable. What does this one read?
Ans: 4,53
